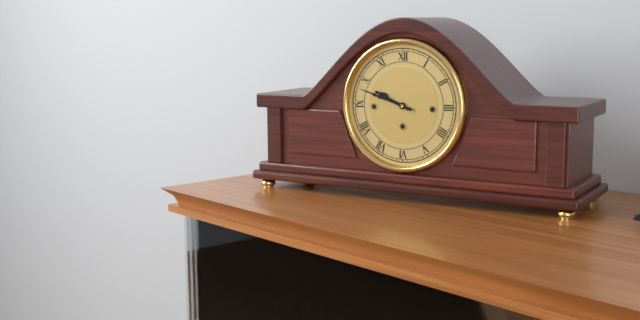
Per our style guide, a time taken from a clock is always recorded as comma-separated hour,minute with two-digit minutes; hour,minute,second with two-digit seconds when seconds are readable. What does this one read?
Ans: 9,48
